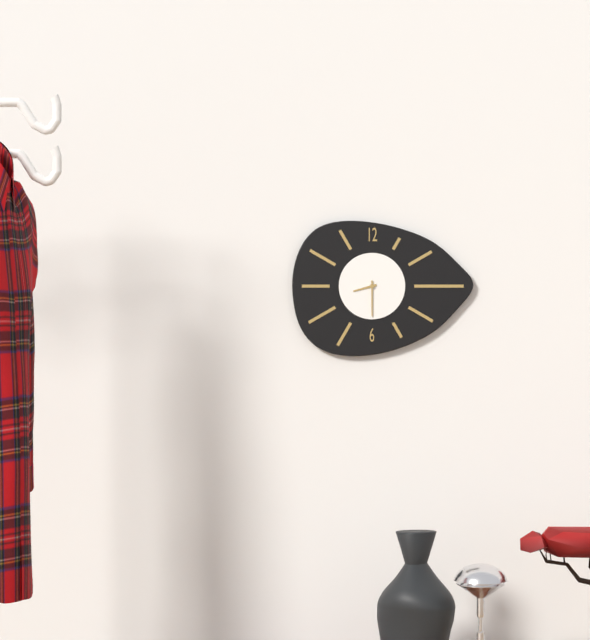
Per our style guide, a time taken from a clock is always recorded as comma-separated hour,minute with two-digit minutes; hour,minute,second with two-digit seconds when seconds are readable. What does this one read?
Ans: 8,30
